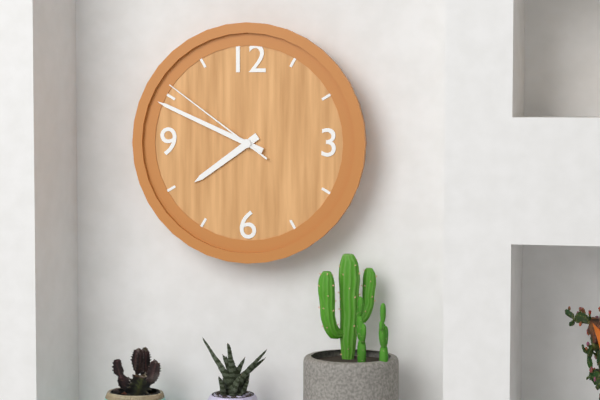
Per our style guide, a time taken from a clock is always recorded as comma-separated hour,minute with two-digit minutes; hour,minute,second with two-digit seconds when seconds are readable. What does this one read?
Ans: 7,49,51
